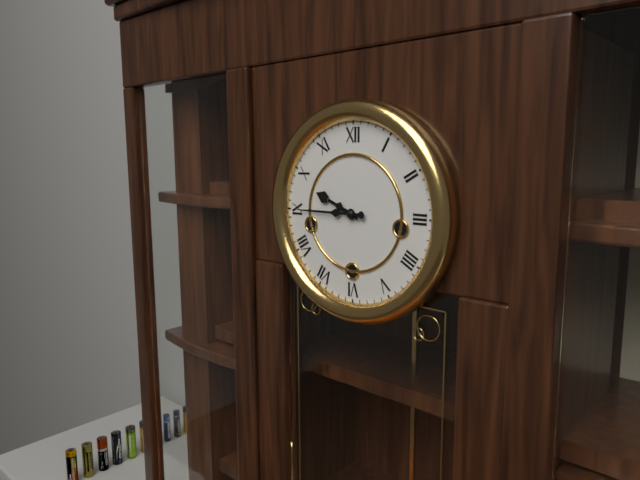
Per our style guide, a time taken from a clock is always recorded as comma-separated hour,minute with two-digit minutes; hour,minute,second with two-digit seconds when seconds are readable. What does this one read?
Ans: 9,45
